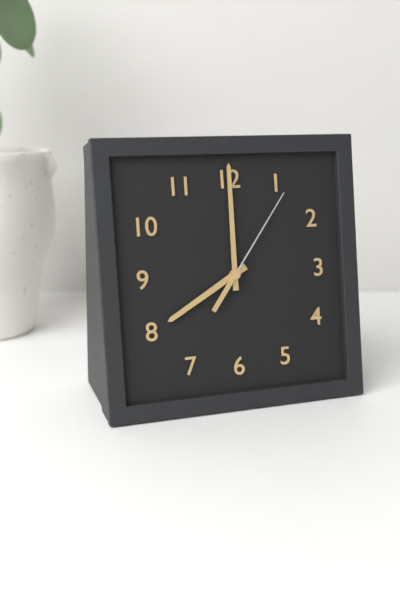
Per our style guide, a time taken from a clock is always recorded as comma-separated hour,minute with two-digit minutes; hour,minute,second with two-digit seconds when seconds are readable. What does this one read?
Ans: 8,00,06
